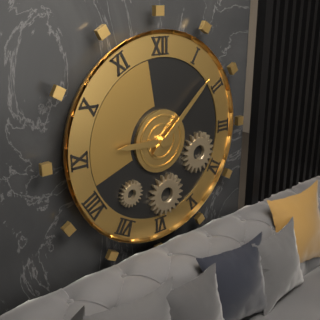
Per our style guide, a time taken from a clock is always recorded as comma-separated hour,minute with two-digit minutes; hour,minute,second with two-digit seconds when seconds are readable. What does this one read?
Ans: 9,08
